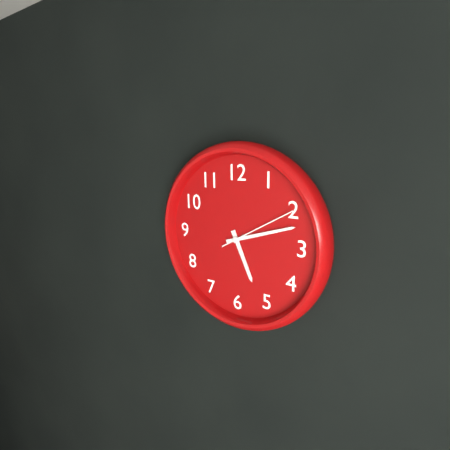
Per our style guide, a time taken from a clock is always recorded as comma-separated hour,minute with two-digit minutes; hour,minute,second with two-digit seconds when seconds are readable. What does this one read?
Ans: 5,12,10
